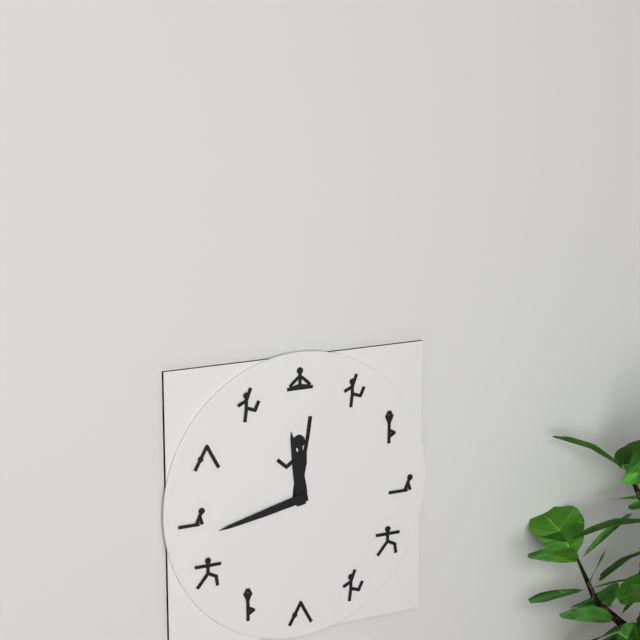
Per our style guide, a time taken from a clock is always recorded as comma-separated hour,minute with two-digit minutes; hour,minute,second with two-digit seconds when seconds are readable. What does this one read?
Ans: 11,43
